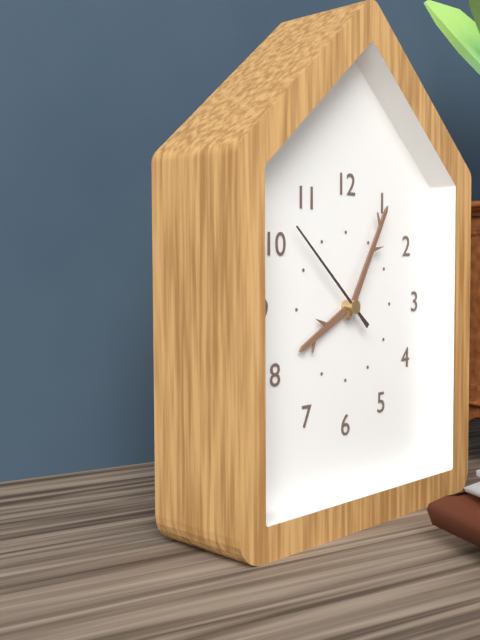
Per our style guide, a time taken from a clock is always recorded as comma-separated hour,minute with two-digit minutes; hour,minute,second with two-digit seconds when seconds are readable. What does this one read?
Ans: 8,05,52
